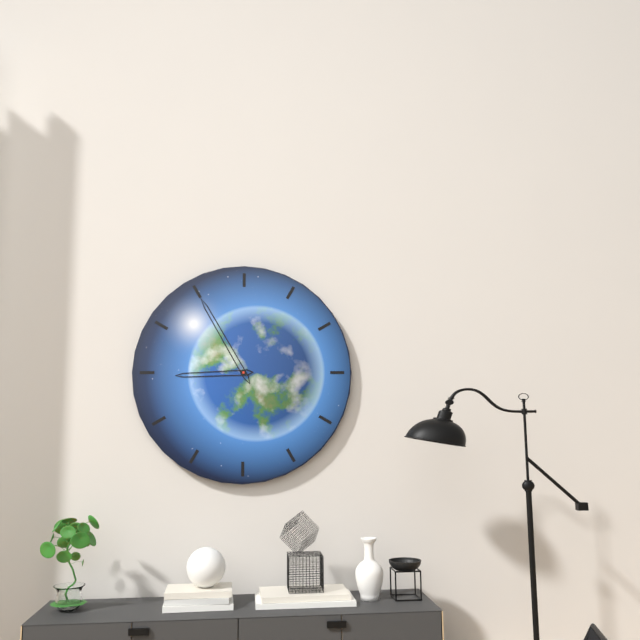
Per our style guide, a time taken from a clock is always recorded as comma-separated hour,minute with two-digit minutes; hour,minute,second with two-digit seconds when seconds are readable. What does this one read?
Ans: 8,55
